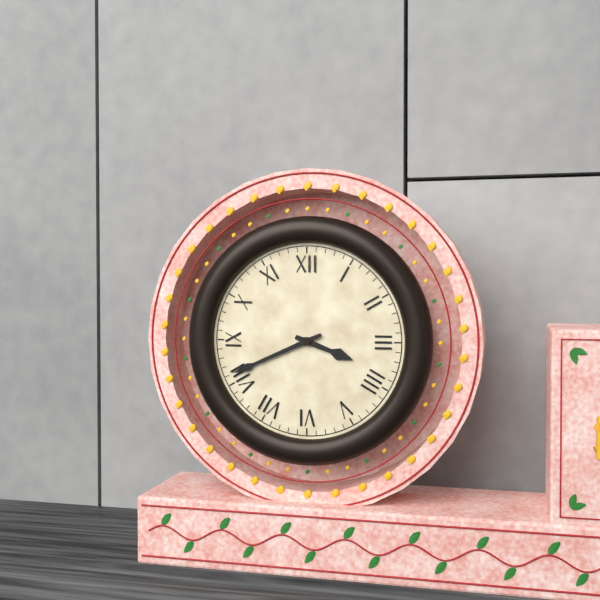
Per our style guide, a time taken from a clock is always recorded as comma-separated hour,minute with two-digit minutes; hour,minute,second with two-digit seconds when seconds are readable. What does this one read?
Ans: 3,41
